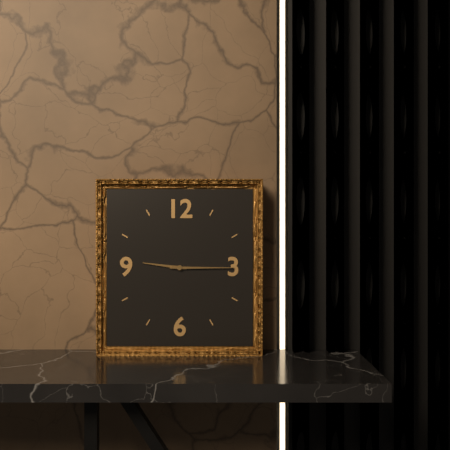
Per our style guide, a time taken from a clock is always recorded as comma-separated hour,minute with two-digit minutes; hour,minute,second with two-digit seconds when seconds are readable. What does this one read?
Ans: 9,15
